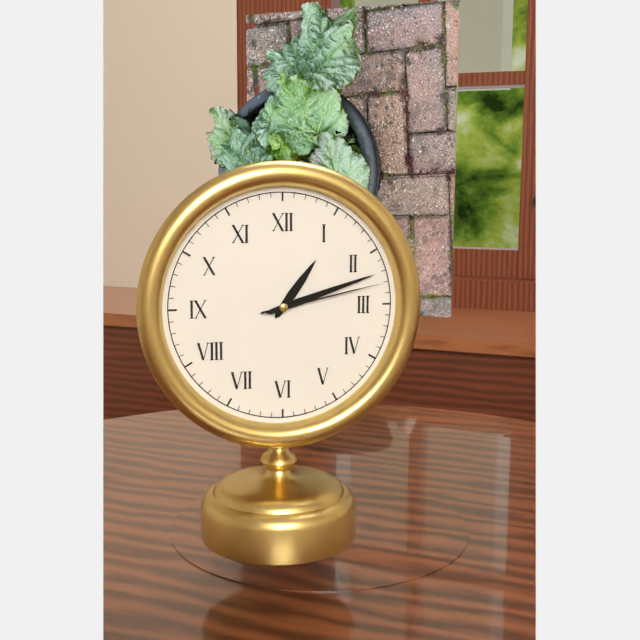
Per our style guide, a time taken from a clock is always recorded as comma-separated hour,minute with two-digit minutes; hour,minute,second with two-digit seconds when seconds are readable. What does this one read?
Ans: 1,12,13
